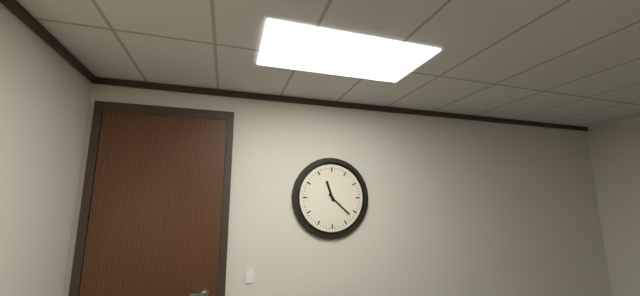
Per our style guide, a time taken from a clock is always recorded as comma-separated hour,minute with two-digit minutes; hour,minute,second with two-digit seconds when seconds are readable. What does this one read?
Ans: 11,22
